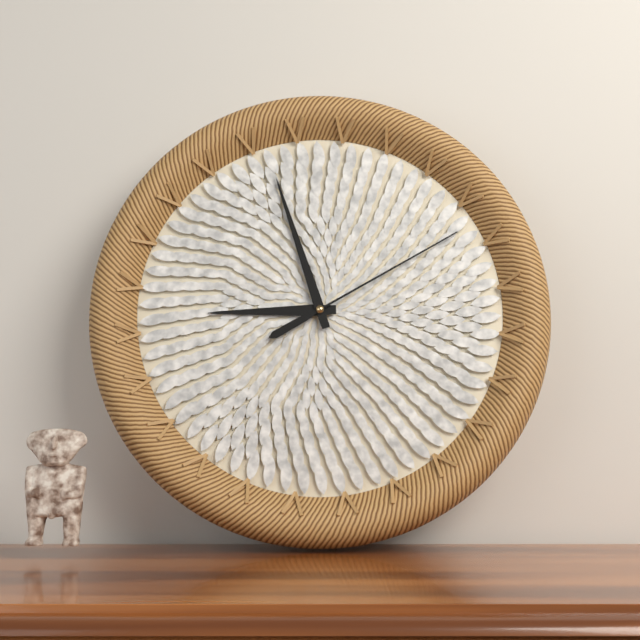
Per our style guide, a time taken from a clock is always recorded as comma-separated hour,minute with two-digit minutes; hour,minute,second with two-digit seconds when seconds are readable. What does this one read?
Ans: 8,57,10
